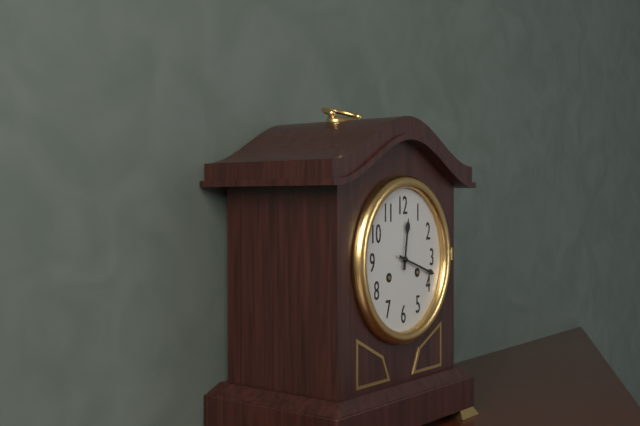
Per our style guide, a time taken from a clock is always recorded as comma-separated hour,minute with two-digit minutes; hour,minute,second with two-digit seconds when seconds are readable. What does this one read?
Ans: 12,18
